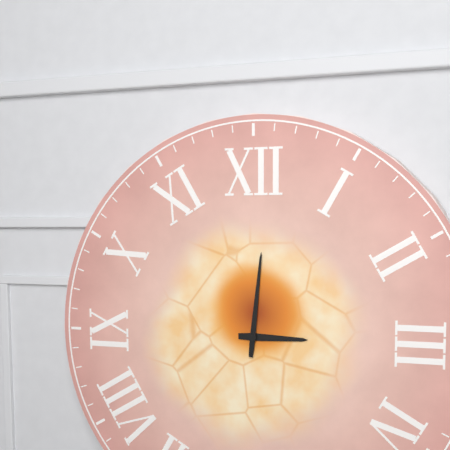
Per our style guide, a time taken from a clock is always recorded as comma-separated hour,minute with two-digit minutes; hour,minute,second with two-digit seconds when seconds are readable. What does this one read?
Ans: 3,01
